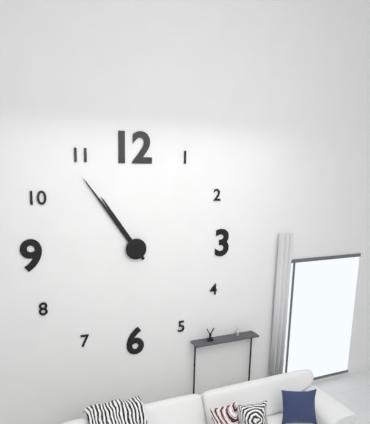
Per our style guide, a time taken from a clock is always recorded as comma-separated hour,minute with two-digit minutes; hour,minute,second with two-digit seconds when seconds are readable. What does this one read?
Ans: 10,54
